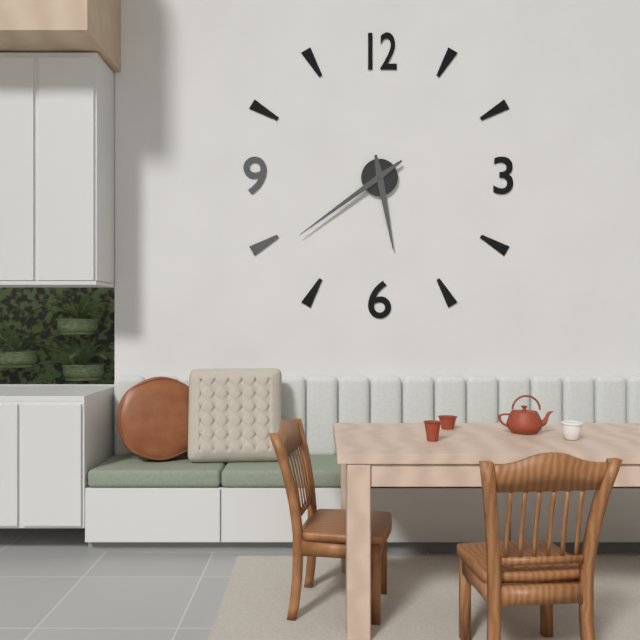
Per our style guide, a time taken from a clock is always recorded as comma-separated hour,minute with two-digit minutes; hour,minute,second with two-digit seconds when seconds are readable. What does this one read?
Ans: 5,39
